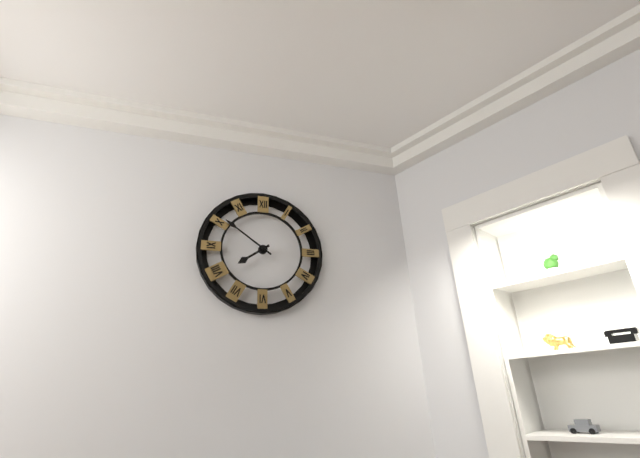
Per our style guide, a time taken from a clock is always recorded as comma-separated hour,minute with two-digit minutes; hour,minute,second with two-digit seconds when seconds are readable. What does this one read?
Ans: 7,51
